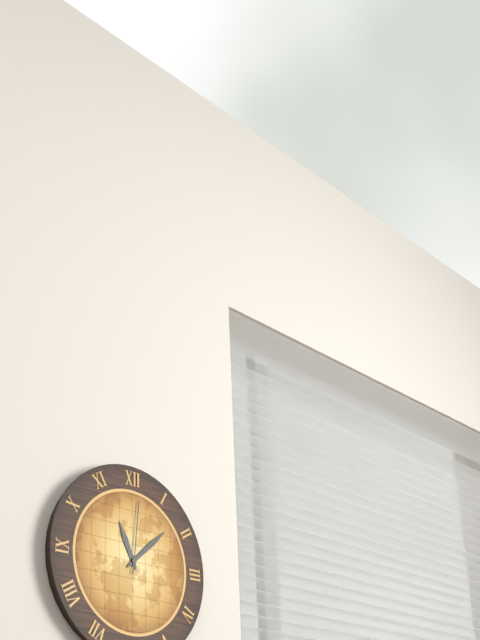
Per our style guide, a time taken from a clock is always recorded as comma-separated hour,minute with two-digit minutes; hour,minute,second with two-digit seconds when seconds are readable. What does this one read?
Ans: 11,08,01
